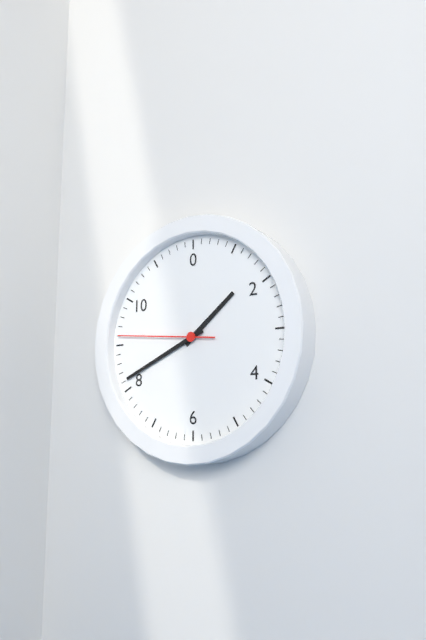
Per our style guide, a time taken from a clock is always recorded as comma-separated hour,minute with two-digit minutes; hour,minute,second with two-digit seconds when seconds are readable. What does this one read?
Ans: 1,41,46
